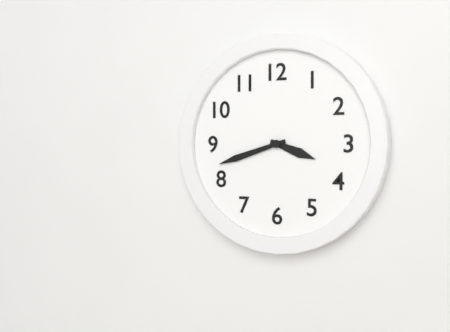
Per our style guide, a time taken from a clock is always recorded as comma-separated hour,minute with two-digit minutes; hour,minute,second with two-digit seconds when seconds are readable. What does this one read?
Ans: 3,42
